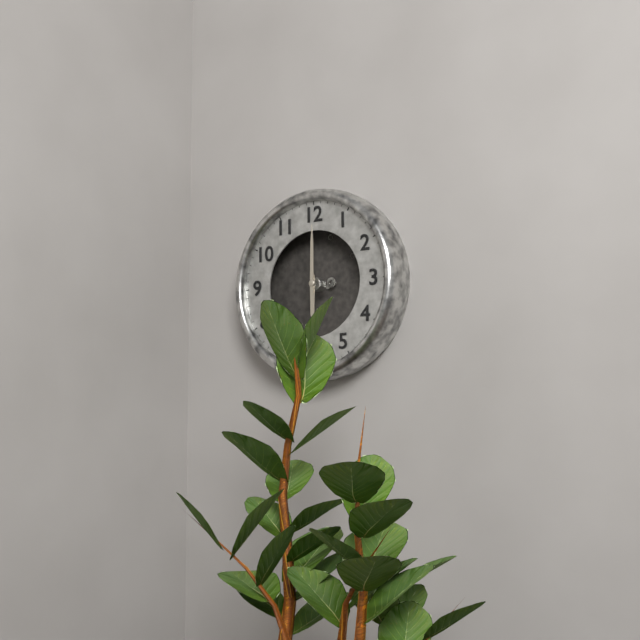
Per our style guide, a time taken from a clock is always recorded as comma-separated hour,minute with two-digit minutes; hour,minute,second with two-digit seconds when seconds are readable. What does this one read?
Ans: 6,00
